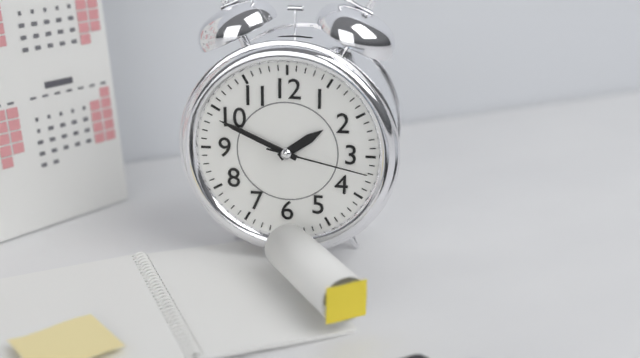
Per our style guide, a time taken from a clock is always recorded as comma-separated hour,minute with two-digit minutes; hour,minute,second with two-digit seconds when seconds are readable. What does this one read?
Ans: 1,49,17
